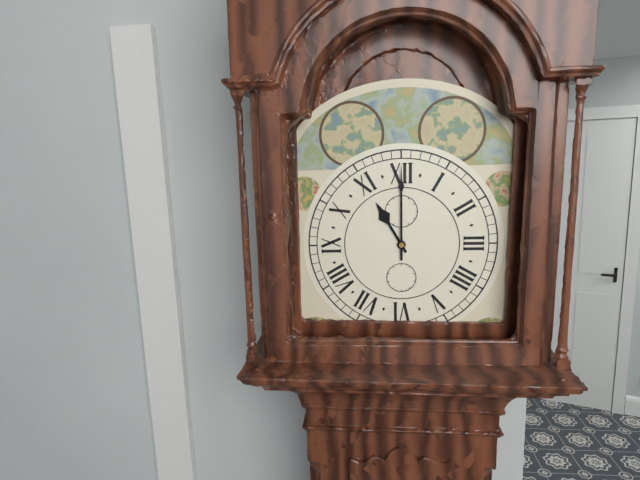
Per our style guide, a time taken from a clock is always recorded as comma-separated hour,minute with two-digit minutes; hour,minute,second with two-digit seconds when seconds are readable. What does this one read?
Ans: 11,00
